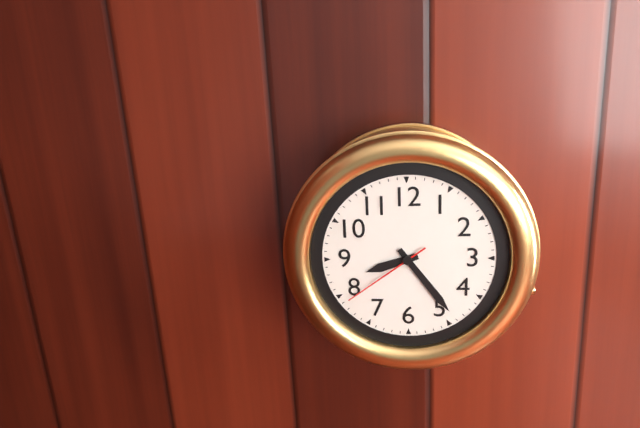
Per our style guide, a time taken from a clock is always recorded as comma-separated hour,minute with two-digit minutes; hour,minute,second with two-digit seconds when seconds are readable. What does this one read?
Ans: 8,24,39
